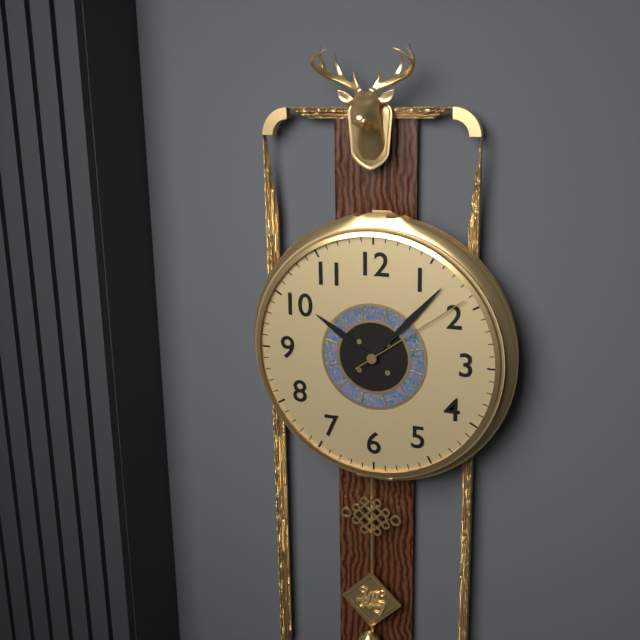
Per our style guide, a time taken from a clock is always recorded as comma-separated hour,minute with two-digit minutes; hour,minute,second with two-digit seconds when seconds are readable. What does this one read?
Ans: 10,07,09
